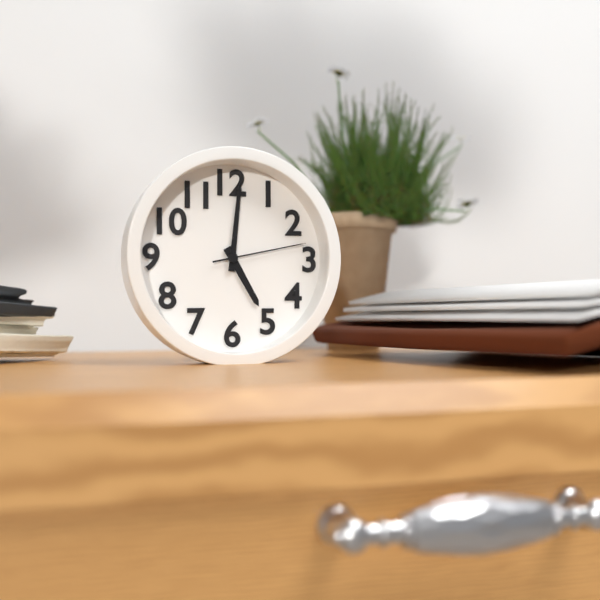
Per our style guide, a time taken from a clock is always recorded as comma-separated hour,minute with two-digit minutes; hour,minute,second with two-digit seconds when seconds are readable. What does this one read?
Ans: 5,01,13
